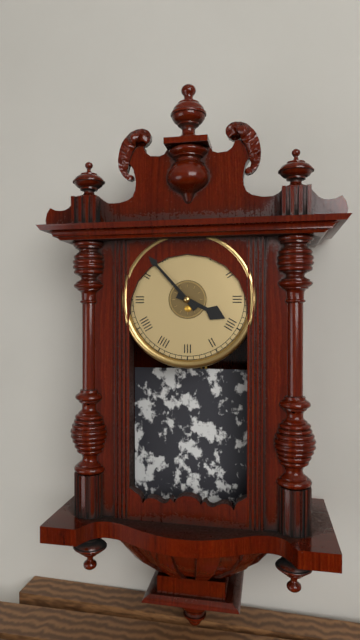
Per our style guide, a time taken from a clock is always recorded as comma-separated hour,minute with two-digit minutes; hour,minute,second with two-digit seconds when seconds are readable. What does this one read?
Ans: 3,53
